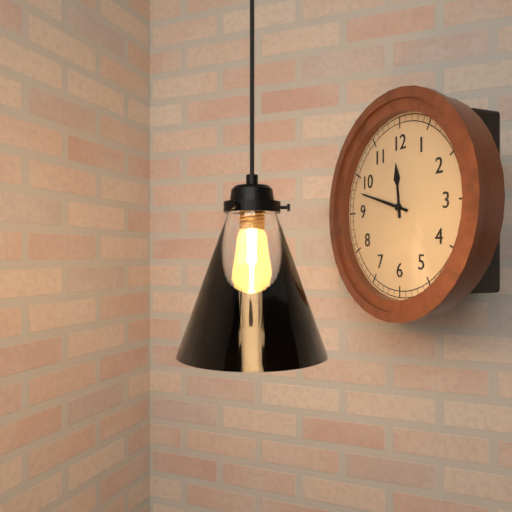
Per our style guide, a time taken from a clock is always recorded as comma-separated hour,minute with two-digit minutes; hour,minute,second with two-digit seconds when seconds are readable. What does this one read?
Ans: 11,48
